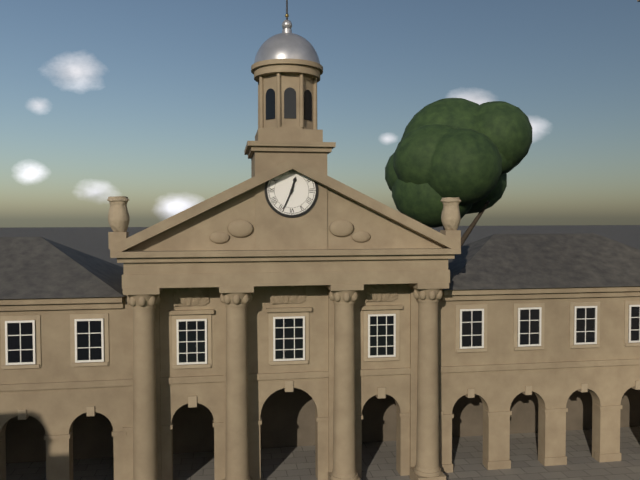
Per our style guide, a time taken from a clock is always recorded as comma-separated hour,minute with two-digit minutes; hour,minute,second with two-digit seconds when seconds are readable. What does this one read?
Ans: 12,34
